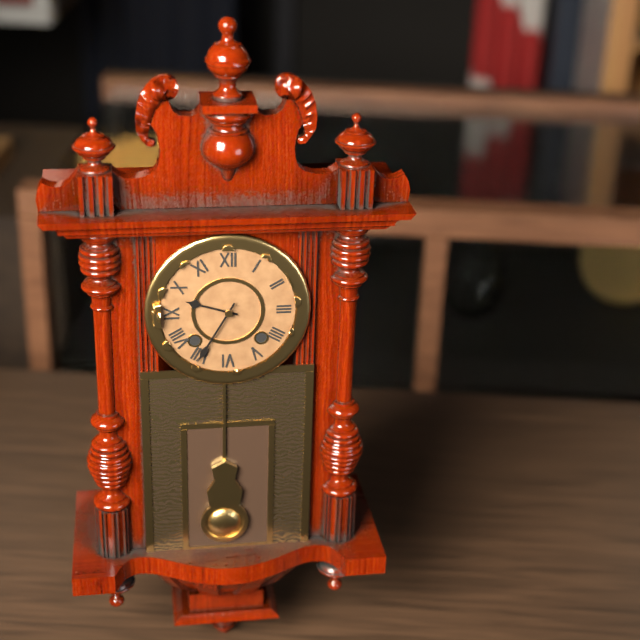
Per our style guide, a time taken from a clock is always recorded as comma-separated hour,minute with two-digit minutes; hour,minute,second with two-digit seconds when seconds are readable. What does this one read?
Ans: 9,35
